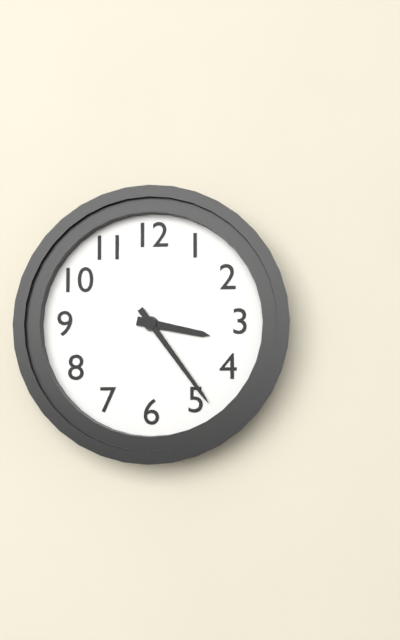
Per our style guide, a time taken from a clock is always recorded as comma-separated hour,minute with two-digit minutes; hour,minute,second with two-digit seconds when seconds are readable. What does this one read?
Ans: 3,24
